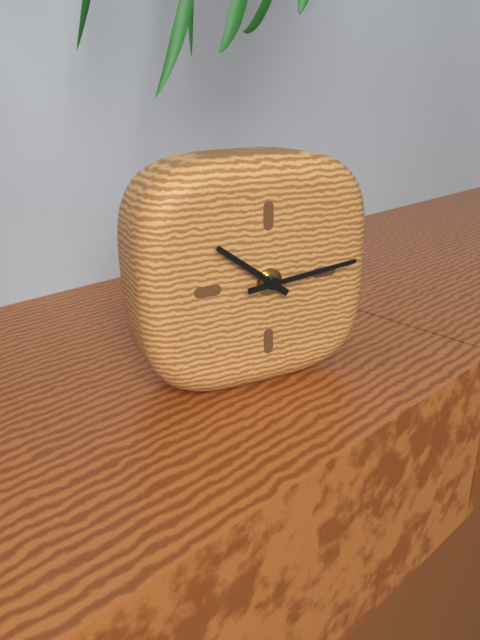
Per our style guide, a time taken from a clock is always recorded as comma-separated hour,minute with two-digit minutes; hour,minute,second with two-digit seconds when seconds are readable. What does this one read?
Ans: 10,14
